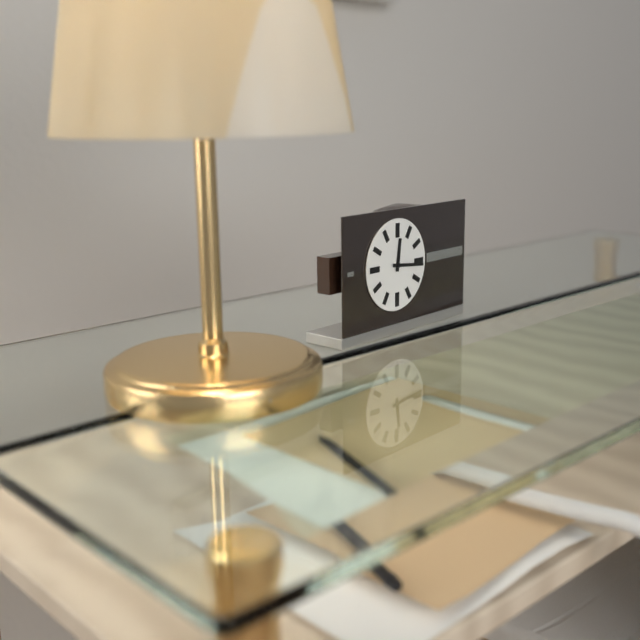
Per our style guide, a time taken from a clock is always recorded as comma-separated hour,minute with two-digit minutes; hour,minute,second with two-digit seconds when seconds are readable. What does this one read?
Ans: 12,16
